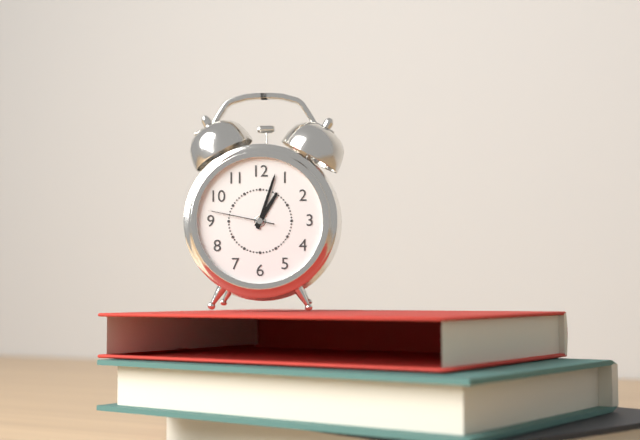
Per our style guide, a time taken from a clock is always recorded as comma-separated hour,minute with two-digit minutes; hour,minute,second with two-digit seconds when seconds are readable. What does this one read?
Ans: 1,03,47
